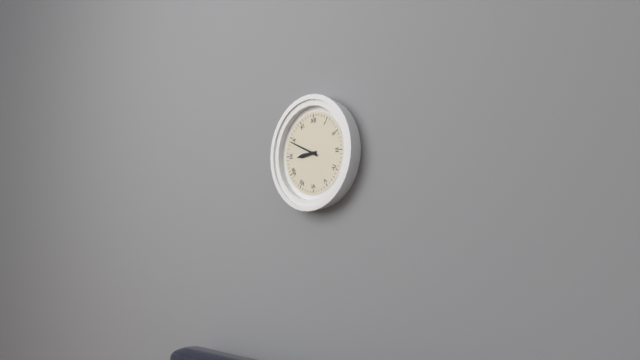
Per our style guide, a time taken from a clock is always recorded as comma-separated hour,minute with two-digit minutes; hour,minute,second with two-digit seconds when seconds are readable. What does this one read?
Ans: 8,49
